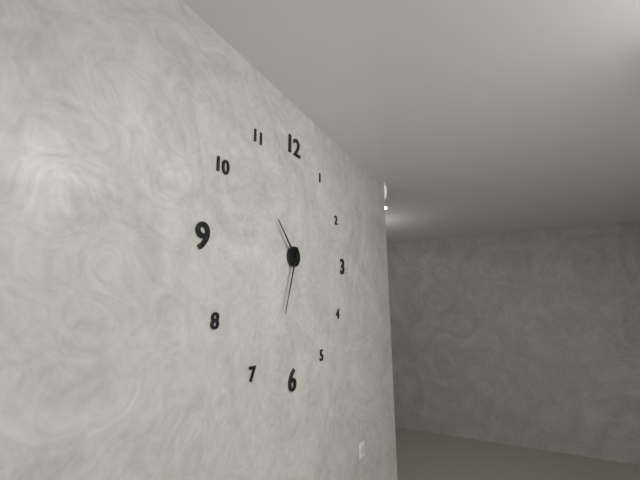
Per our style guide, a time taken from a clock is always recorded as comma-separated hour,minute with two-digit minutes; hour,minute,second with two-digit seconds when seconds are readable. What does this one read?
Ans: 10,33
